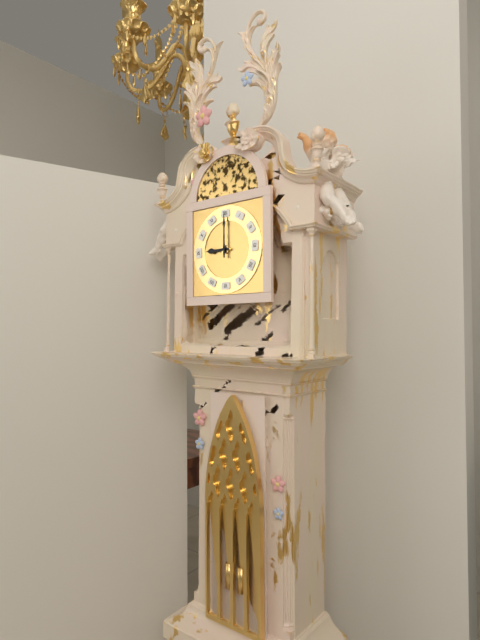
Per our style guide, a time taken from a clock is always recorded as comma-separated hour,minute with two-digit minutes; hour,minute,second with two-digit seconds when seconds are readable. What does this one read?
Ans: 9,00
